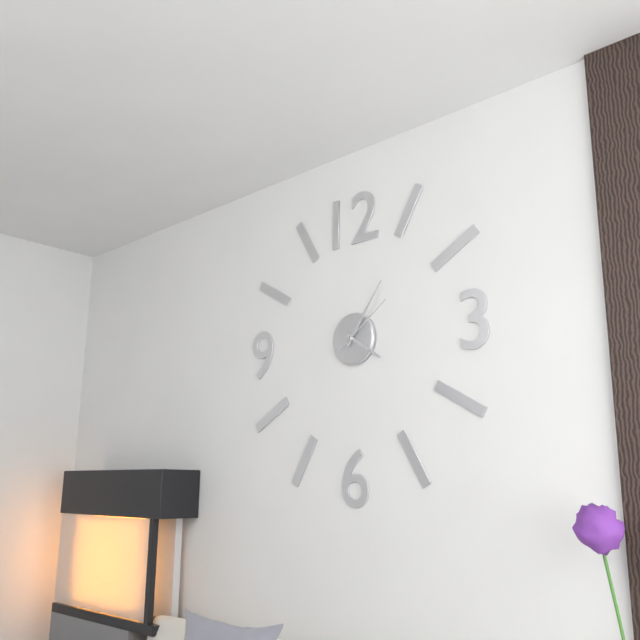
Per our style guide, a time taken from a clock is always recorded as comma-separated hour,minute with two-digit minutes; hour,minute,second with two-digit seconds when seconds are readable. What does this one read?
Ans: 4,06,09
